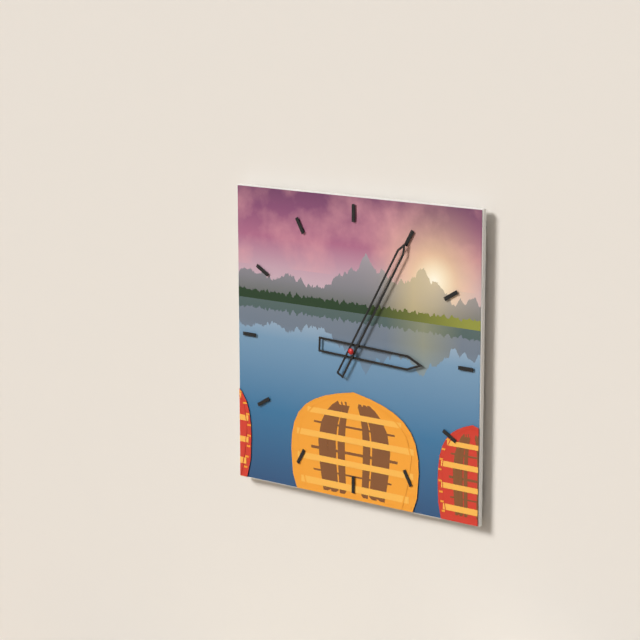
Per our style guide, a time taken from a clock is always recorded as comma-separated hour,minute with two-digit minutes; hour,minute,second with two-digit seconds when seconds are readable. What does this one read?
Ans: 3,05
